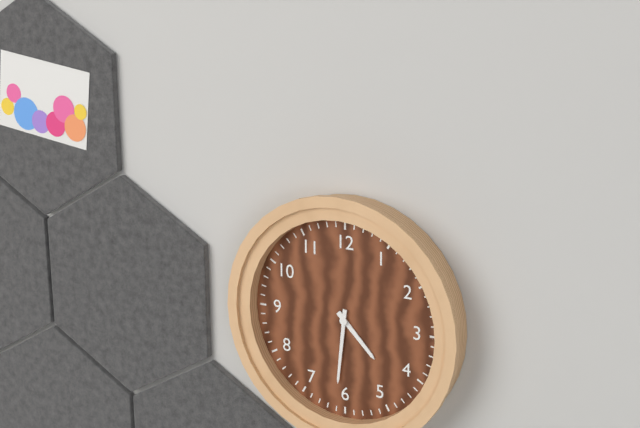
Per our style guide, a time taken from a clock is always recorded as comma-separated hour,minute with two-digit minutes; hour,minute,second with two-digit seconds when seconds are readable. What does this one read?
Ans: 4,31
